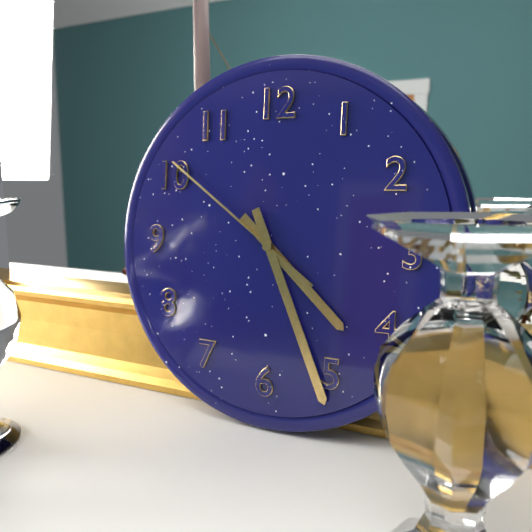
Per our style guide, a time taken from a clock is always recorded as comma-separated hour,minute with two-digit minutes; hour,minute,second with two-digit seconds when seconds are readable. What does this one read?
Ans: 4,26,51
